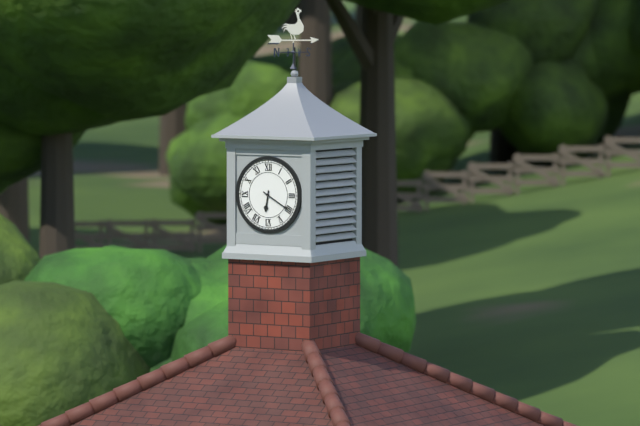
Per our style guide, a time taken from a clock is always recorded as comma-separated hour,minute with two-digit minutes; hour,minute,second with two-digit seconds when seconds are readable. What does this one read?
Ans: 6,20
